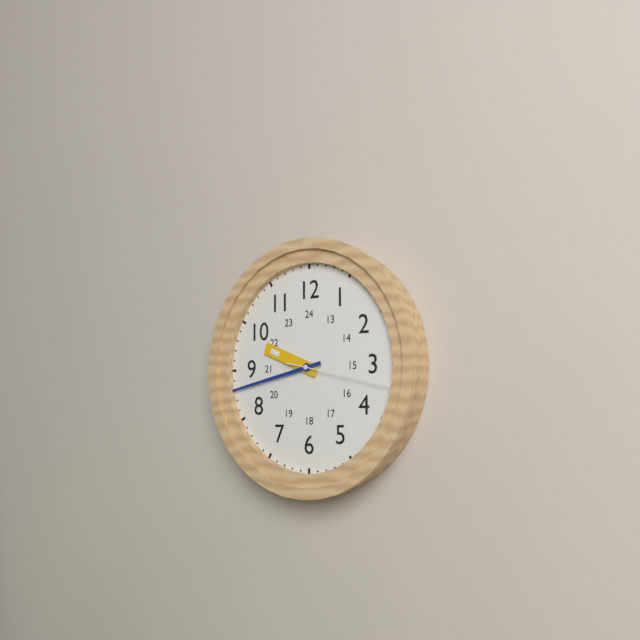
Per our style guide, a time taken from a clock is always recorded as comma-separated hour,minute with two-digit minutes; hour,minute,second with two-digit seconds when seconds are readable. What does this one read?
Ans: 9,43,17
